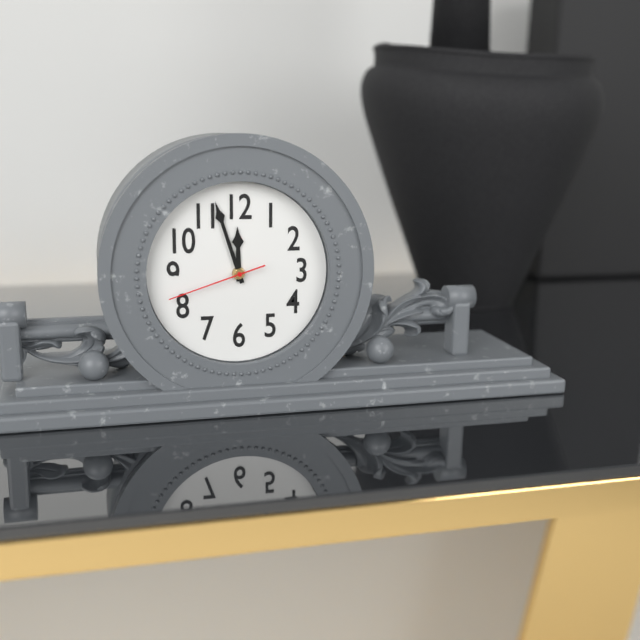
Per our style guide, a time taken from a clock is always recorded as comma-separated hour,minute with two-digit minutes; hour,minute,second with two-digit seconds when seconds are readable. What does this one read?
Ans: 11,57,42
